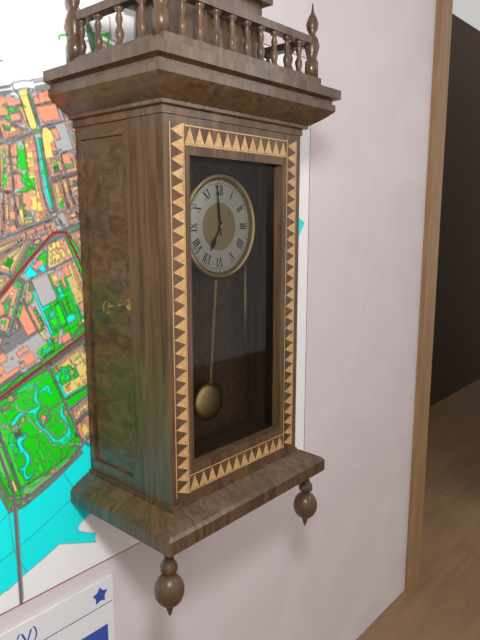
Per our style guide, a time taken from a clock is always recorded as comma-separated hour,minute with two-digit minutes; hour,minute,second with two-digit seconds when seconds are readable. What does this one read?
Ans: 6,59
